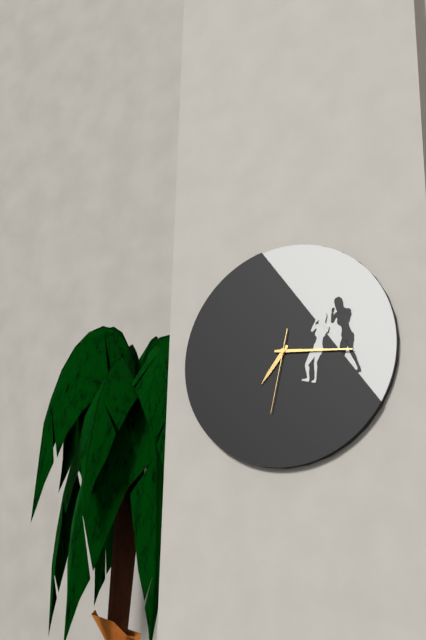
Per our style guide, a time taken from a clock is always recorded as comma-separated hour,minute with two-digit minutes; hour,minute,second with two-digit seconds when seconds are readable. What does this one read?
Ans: 7,16,32
